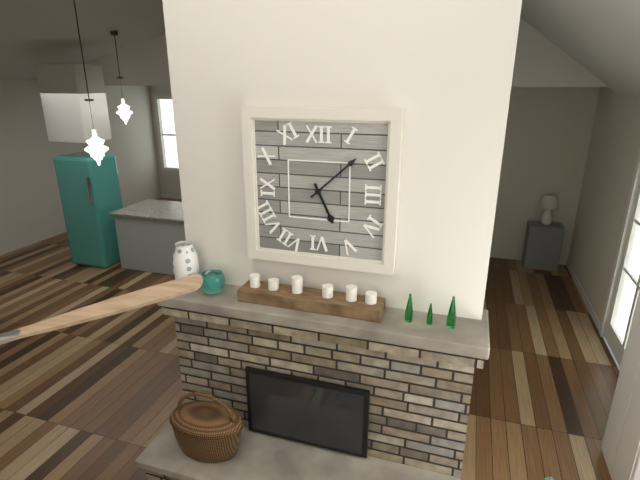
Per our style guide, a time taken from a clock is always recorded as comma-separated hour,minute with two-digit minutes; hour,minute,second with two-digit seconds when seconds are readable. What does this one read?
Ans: 5,08
